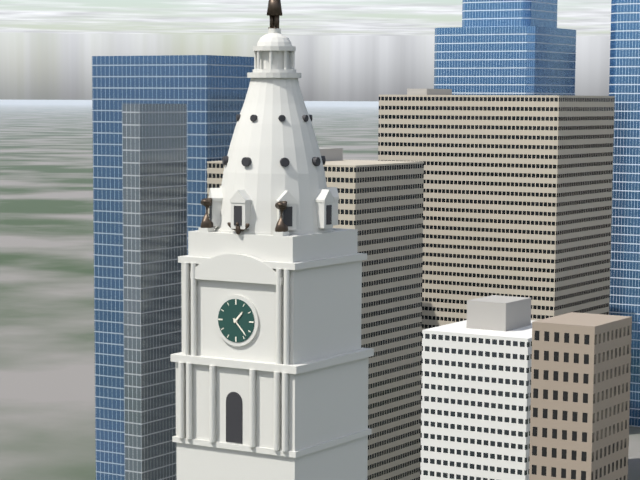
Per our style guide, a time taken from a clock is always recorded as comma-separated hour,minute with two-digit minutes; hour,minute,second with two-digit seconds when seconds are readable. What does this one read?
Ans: 1,23
